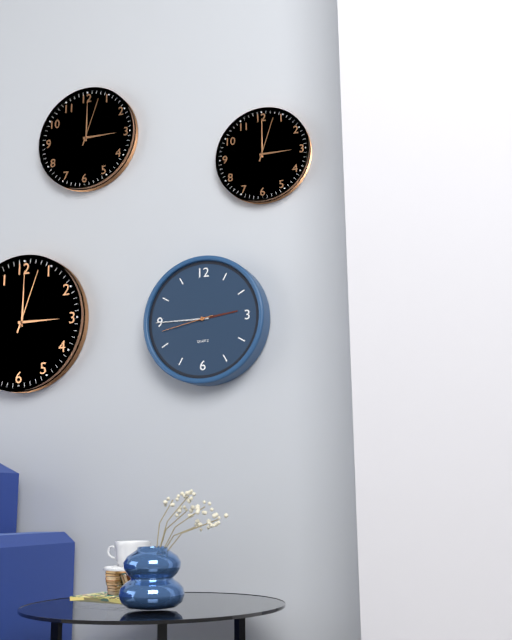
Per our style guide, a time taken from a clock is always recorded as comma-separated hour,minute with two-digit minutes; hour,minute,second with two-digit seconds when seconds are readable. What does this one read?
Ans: 2,45,43
